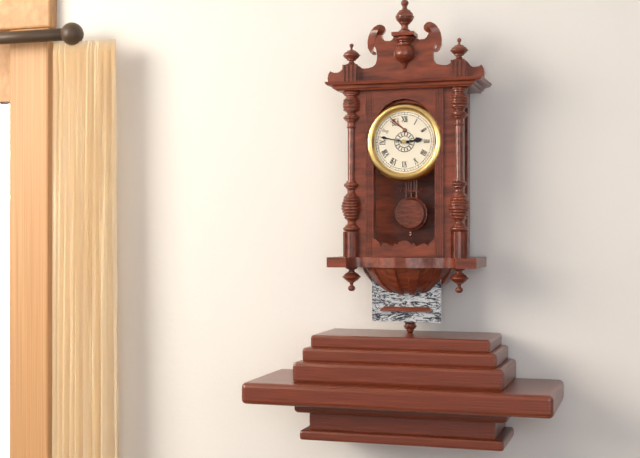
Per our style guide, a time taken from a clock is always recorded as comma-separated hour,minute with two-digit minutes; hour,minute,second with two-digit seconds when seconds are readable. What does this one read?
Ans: 2,47
